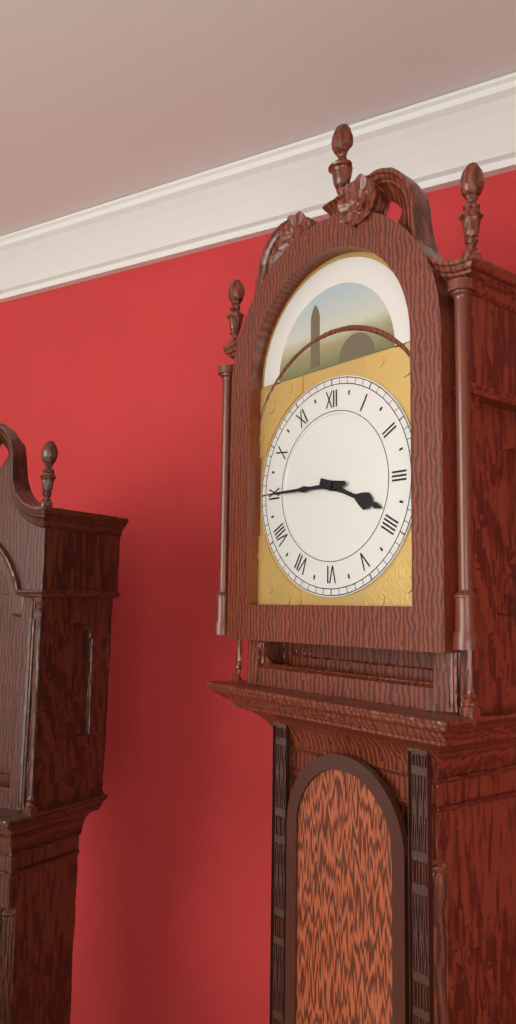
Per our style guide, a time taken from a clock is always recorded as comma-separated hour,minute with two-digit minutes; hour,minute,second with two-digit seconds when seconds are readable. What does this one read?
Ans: 3,45
